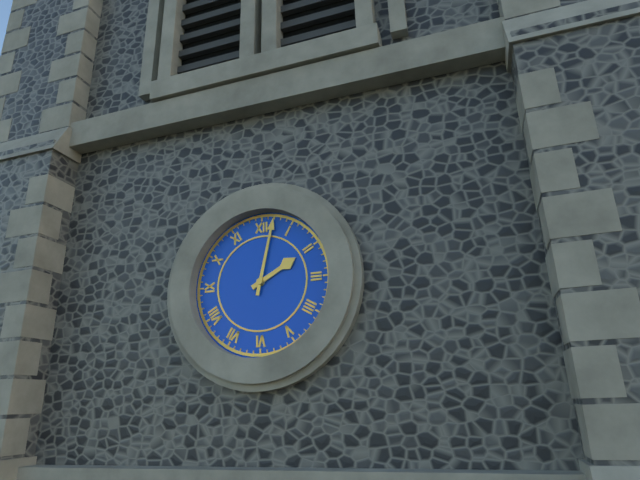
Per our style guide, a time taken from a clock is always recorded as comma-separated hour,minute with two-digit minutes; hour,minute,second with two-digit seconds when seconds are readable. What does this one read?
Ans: 2,02
